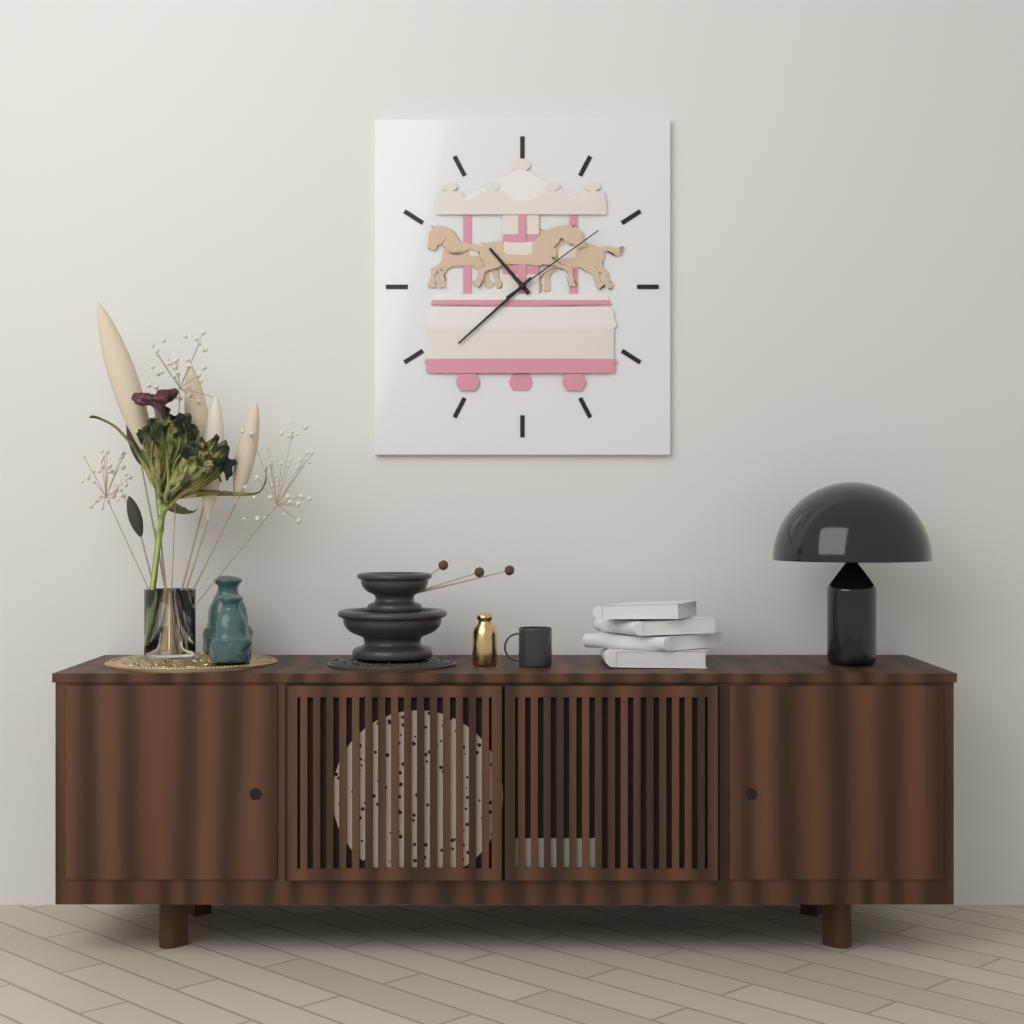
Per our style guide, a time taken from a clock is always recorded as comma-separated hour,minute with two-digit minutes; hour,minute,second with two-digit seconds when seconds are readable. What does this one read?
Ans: 10,38,09
